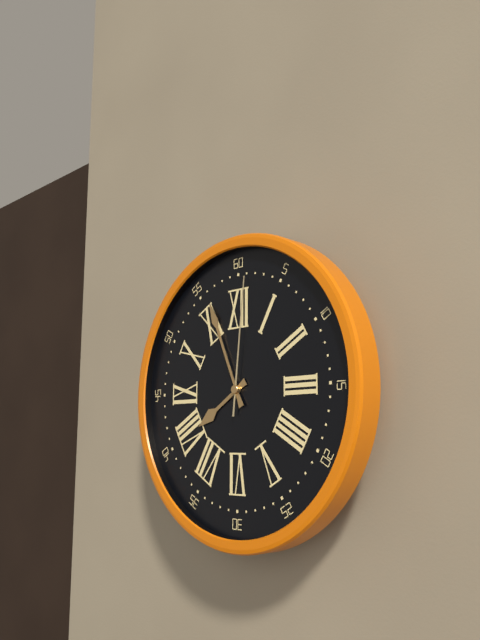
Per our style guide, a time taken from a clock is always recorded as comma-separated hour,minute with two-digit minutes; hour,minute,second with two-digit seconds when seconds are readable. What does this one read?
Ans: 7,56,01
